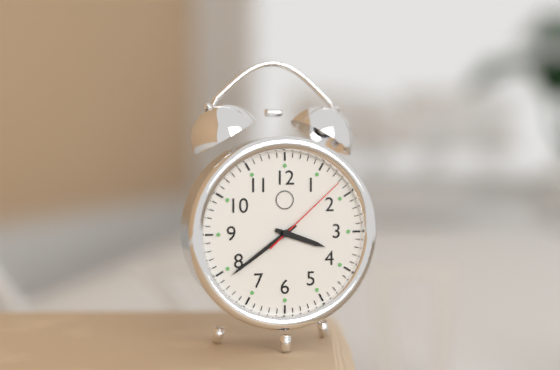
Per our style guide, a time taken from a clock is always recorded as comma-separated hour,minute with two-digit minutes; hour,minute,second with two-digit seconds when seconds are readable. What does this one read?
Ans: 3,39,08
